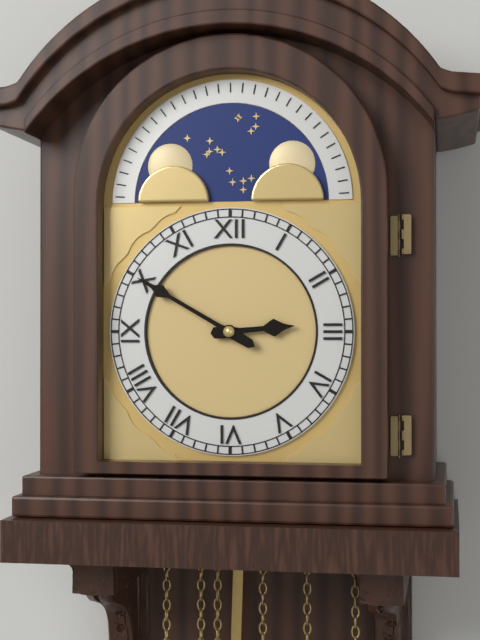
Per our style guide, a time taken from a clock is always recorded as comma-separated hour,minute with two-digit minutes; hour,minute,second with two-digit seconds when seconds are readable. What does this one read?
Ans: 2,50
